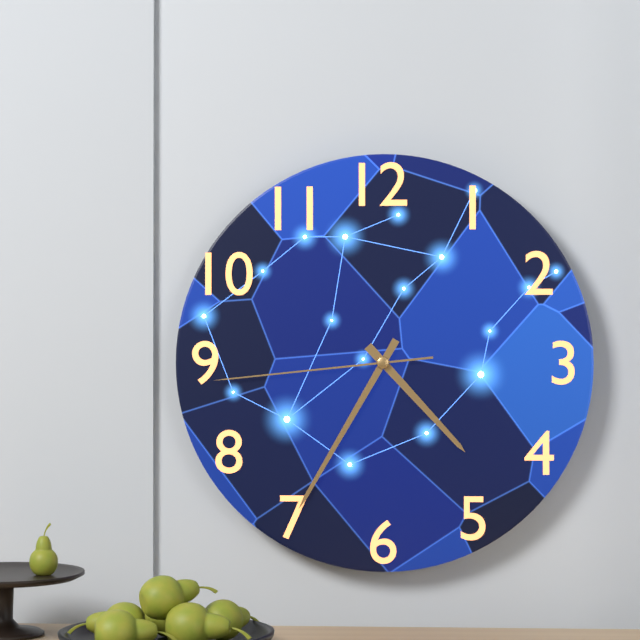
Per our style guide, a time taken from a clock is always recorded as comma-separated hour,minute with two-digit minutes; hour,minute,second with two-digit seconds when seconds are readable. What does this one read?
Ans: 4,35,44
